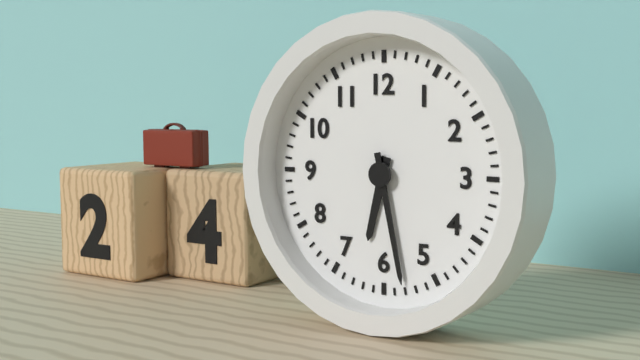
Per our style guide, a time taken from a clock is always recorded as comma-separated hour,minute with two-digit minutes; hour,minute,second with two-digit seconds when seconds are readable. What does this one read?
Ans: 6,28
